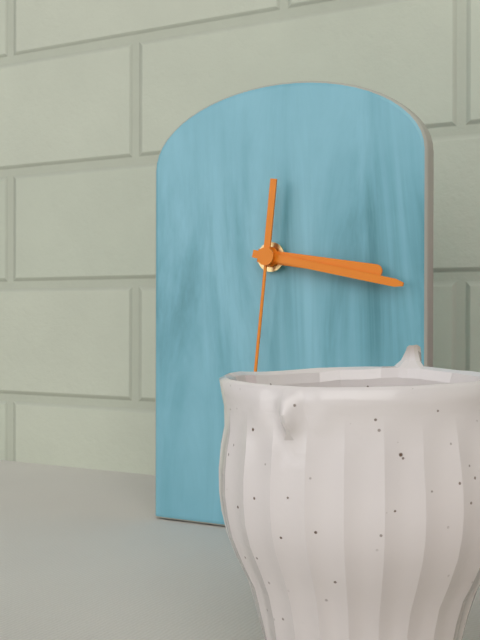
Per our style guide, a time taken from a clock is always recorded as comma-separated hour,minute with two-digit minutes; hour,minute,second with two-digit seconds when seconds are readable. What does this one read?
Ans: 3,17,31
